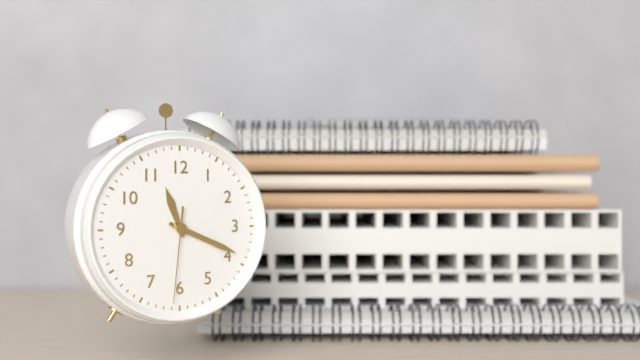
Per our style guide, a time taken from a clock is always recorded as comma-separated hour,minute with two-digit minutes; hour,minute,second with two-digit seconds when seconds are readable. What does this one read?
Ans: 11,19,31
